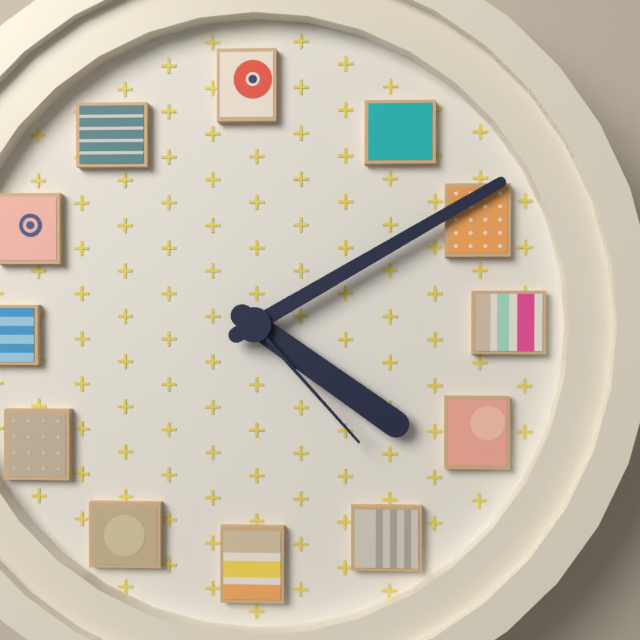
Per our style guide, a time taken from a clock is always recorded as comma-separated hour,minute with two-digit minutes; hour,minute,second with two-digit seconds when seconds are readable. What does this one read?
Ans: 4,10,23
